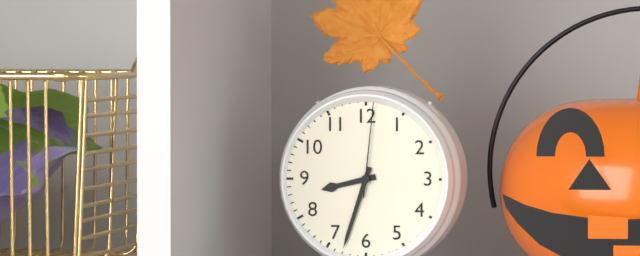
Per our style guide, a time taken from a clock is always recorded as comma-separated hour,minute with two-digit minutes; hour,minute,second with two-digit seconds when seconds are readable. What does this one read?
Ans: 8,33,01
